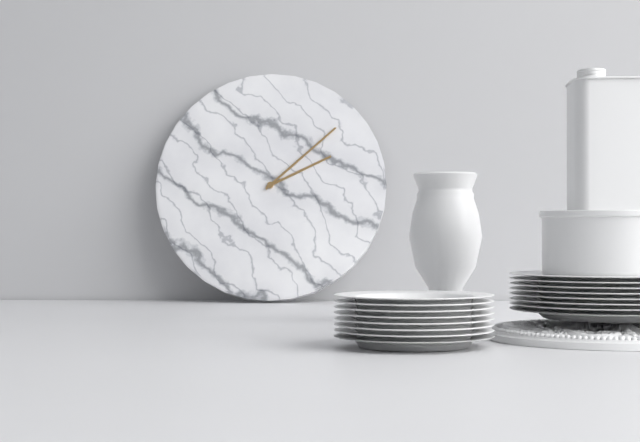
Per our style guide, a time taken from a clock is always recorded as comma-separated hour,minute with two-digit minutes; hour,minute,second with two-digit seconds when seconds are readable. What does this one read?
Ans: 2,08
